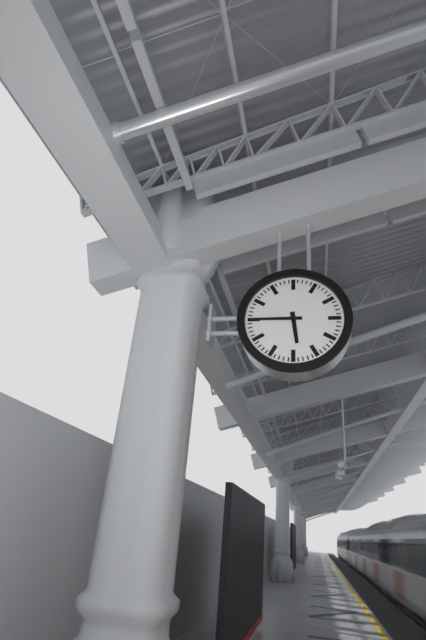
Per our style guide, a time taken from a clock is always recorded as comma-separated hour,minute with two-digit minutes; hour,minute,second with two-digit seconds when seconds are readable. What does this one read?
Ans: 5,45
